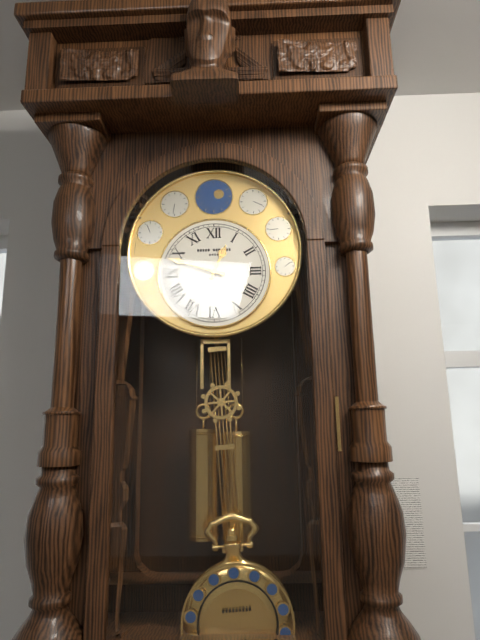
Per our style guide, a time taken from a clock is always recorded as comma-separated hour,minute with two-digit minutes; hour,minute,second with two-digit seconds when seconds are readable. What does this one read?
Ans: 12,48
